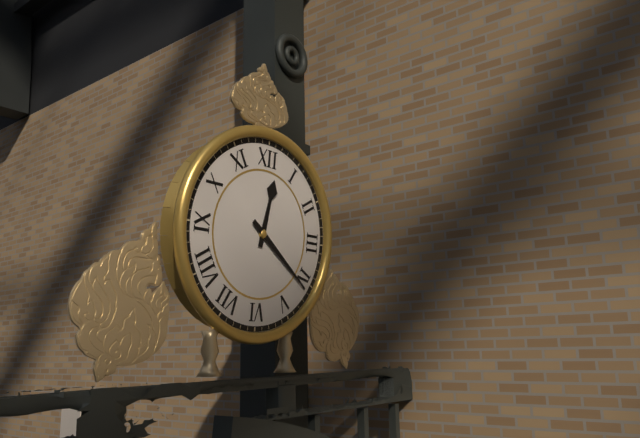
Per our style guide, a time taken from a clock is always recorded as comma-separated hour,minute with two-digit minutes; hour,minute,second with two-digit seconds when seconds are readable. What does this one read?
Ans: 12,21
